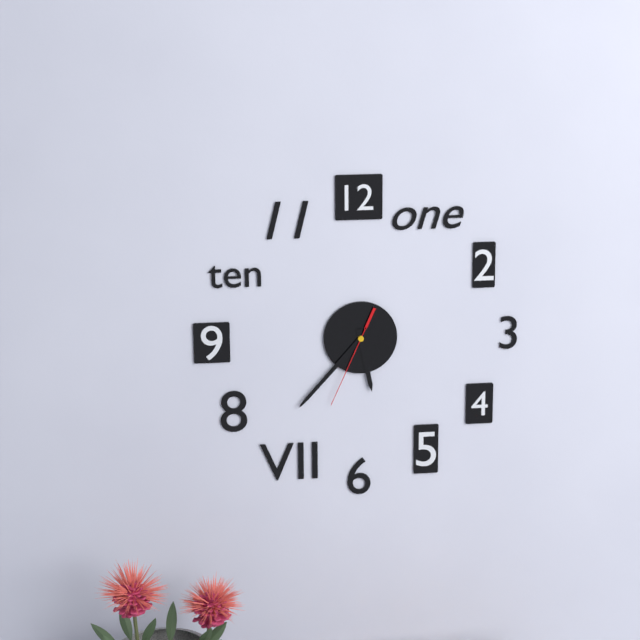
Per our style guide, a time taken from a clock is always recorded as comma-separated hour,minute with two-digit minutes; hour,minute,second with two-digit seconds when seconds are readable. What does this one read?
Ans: 5,37,34
